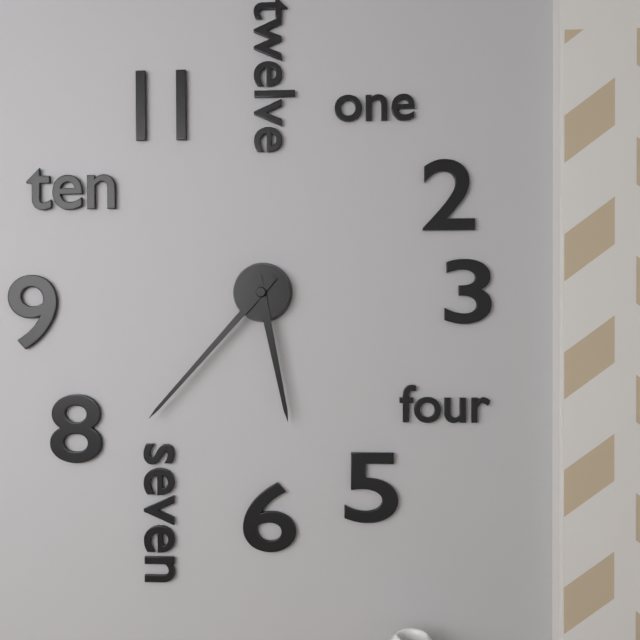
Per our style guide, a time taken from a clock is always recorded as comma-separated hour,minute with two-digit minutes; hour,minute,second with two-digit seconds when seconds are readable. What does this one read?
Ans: 5,37
